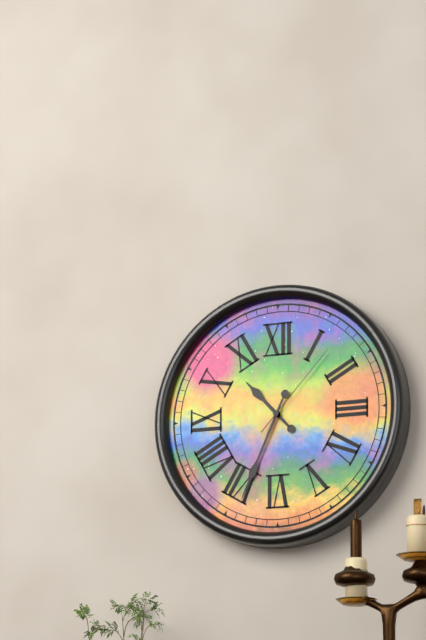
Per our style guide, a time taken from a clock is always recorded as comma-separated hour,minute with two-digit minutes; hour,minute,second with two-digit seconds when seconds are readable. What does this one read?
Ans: 10,34,07
